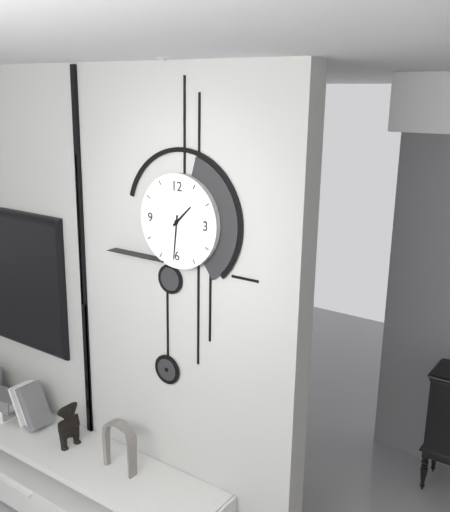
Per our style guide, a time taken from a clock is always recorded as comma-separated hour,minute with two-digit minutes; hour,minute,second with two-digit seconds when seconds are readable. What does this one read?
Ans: 1,31
